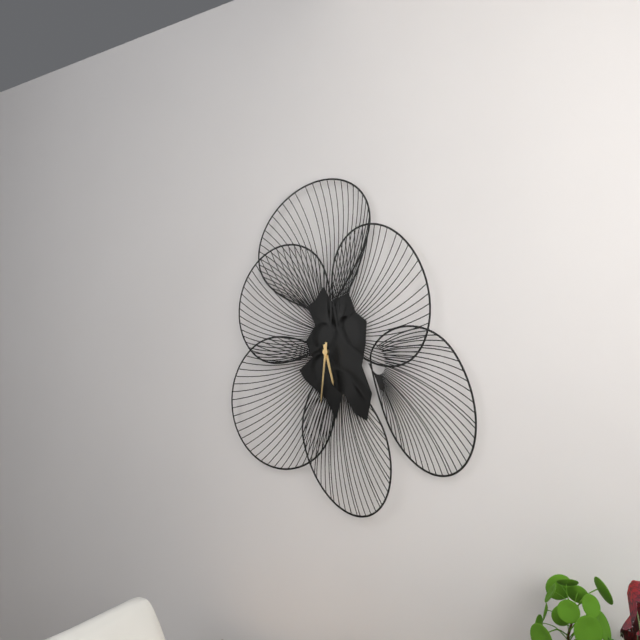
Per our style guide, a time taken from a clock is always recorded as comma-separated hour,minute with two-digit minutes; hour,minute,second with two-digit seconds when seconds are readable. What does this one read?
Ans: 5,31
